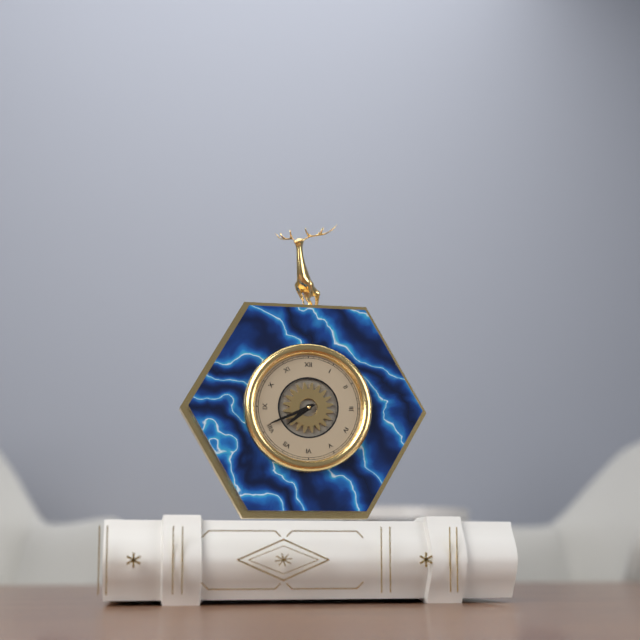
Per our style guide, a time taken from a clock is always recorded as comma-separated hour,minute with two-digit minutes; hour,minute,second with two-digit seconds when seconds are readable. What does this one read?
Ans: 7,41
